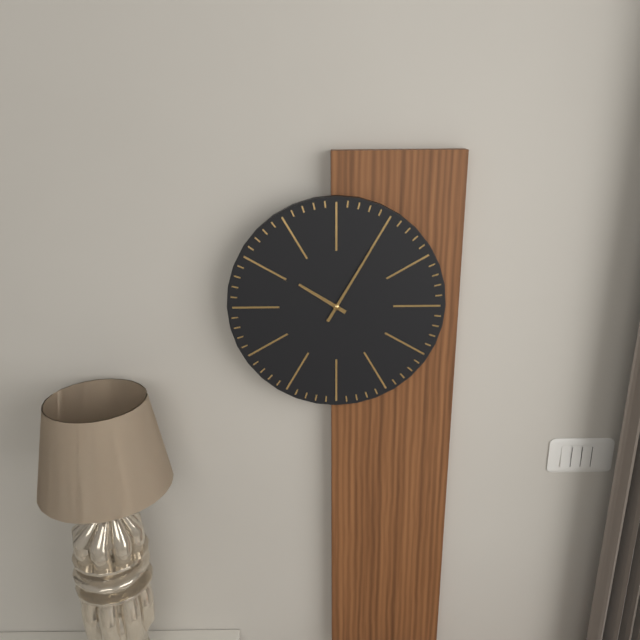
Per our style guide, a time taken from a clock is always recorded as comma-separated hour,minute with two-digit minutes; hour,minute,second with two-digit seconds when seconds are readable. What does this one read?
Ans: 10,05
